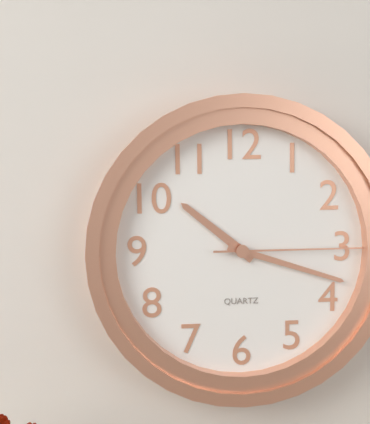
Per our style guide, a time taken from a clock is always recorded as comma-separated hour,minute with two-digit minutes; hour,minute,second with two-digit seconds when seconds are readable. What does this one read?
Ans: 10,18,15
